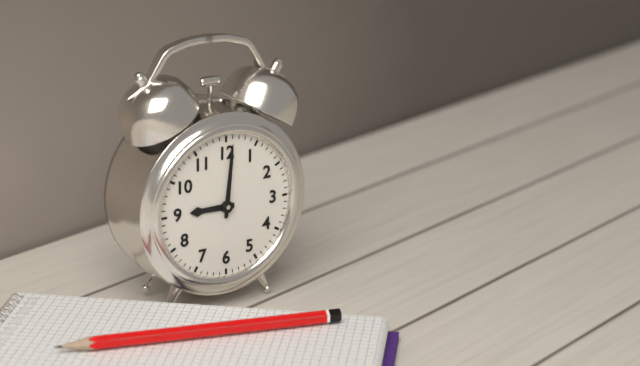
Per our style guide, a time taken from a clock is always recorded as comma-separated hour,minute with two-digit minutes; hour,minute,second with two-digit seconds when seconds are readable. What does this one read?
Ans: 9,01
